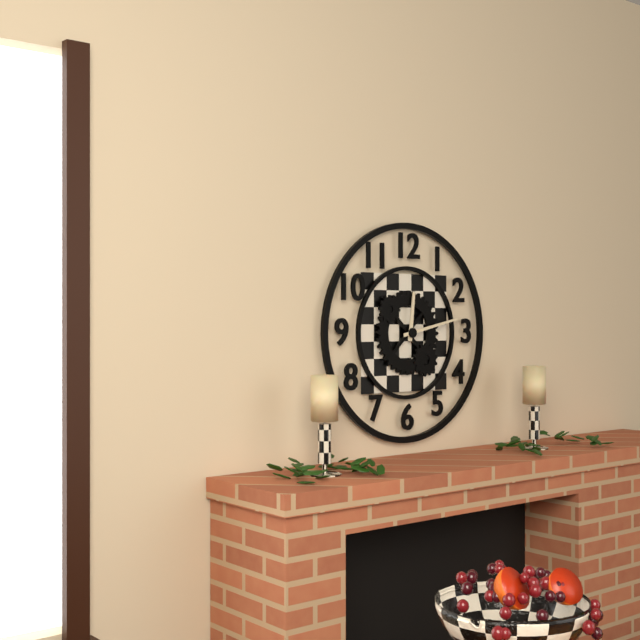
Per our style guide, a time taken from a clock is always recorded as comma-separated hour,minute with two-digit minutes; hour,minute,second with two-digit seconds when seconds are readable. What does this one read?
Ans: 12,13
